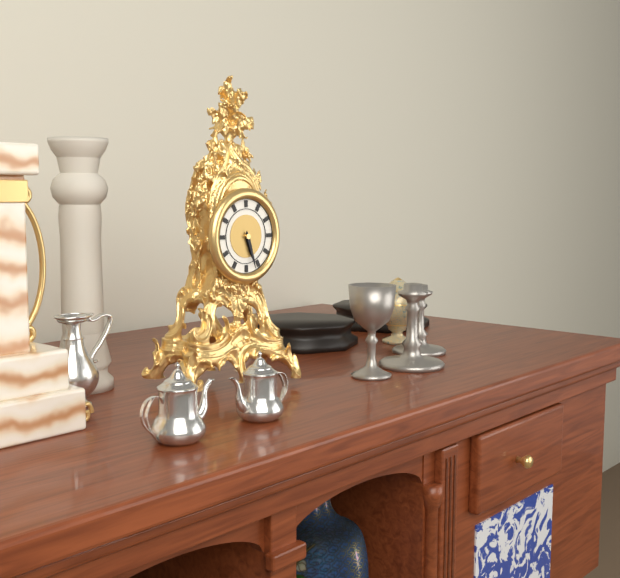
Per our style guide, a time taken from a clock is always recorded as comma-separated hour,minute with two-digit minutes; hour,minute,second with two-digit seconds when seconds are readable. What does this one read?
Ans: 5,27
